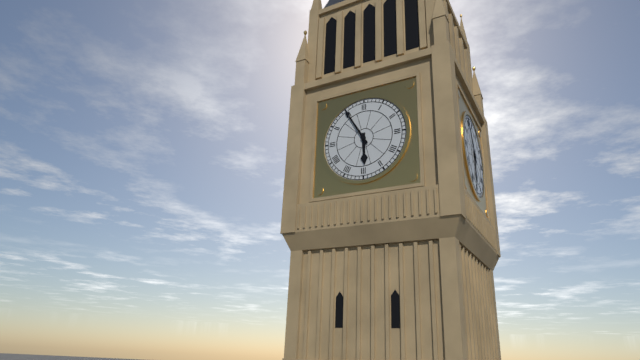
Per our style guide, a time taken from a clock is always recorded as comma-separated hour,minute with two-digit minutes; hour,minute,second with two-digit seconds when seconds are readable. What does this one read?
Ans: 5,55
